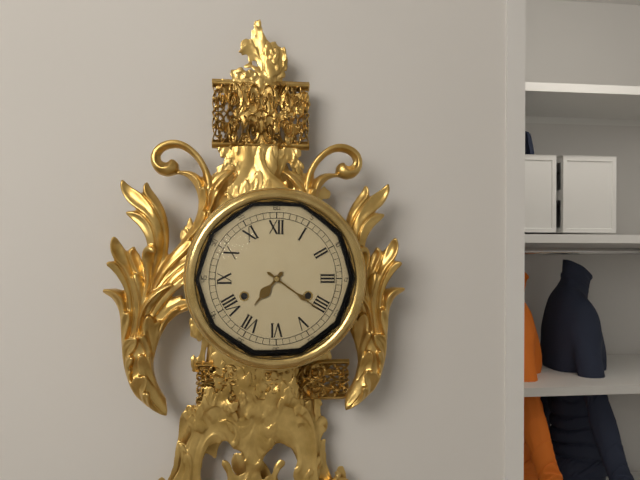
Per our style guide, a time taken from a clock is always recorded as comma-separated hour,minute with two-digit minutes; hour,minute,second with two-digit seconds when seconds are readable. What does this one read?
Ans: 7,21
